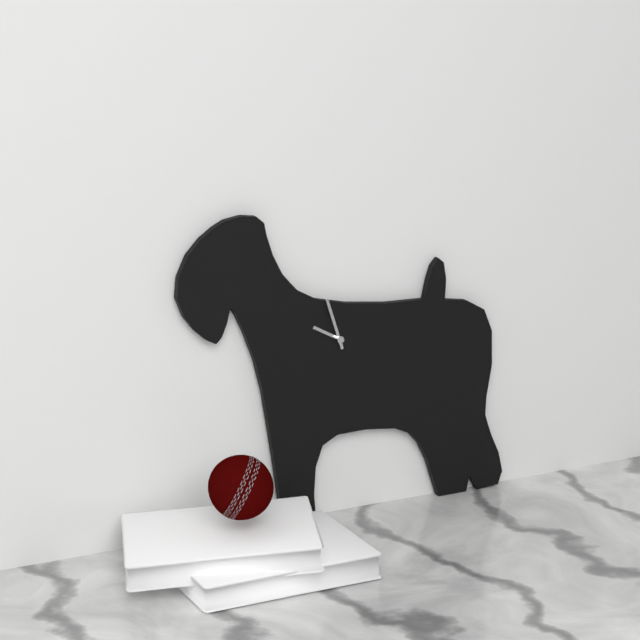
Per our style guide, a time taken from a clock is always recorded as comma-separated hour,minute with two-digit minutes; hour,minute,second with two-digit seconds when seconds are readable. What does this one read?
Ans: 9,57
